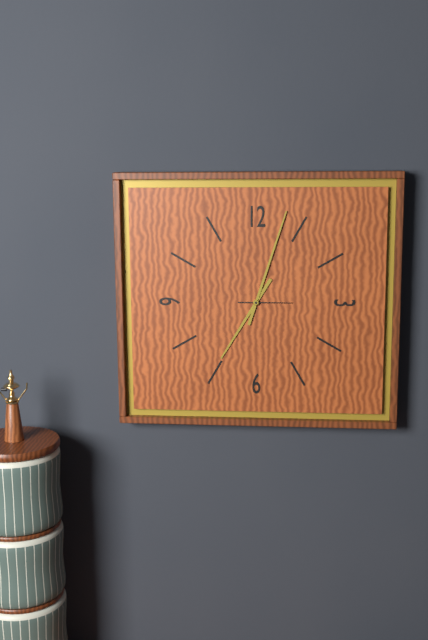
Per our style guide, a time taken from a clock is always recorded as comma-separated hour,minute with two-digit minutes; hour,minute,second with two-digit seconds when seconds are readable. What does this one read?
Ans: 7,03
